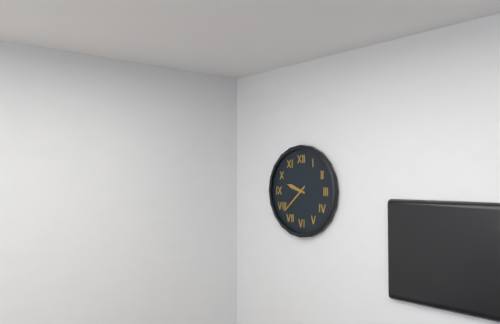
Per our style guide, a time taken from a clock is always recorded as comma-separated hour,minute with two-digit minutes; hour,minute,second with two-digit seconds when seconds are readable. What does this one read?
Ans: 9,38
